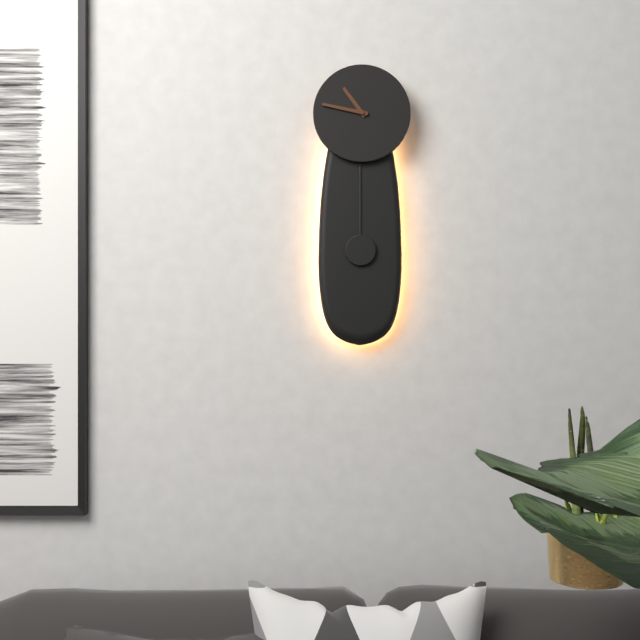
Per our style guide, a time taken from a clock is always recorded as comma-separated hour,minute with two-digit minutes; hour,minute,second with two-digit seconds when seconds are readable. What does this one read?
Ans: 10,47
